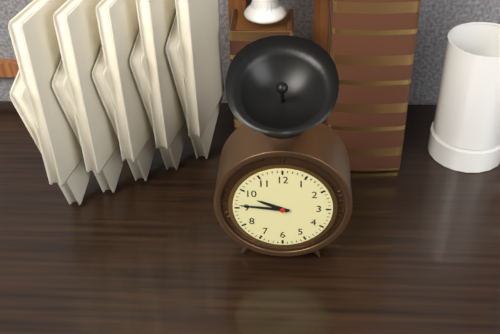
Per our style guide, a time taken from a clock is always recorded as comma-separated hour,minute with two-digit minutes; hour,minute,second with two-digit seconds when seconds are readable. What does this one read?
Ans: 9,46
